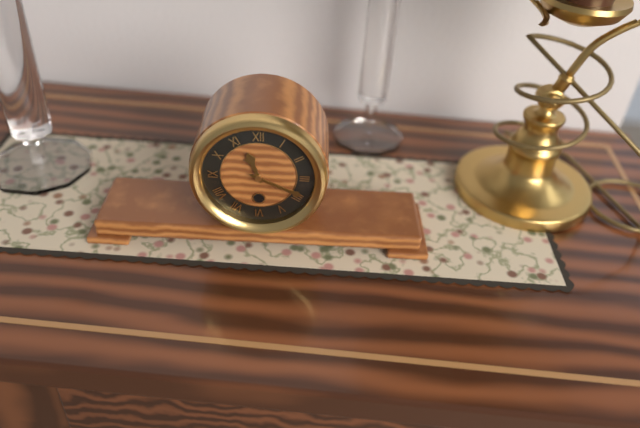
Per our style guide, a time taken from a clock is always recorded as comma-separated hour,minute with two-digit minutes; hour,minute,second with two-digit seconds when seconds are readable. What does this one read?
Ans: 11,19
